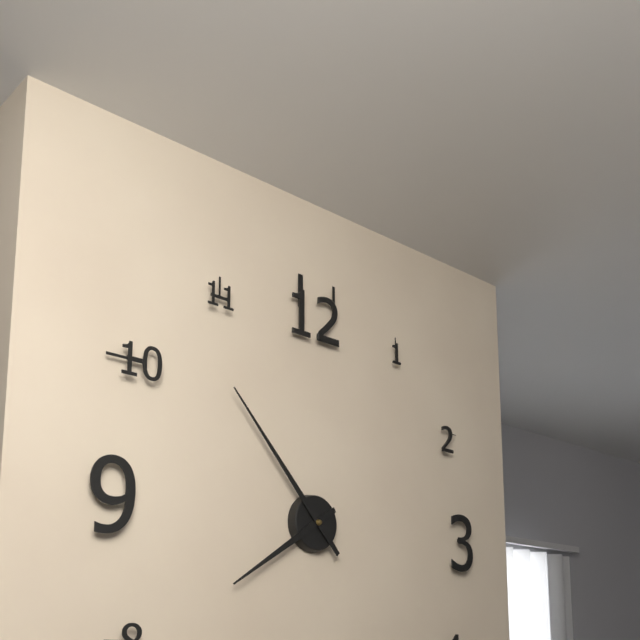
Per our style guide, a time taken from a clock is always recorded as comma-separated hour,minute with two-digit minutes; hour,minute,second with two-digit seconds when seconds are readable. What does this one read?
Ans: 7,53
